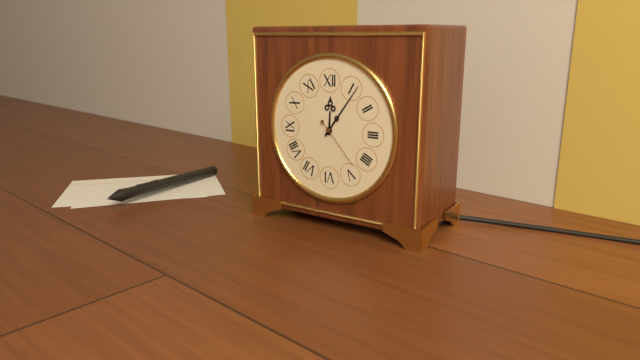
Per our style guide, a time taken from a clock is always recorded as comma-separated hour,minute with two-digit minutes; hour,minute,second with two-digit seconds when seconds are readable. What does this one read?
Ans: 12,06,23
